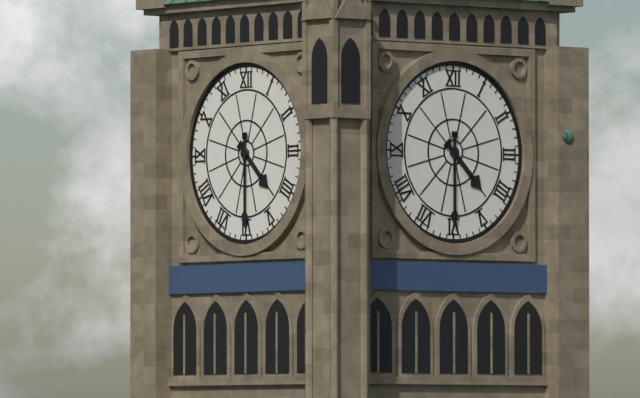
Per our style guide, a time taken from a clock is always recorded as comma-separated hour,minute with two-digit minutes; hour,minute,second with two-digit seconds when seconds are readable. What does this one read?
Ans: 4,30
